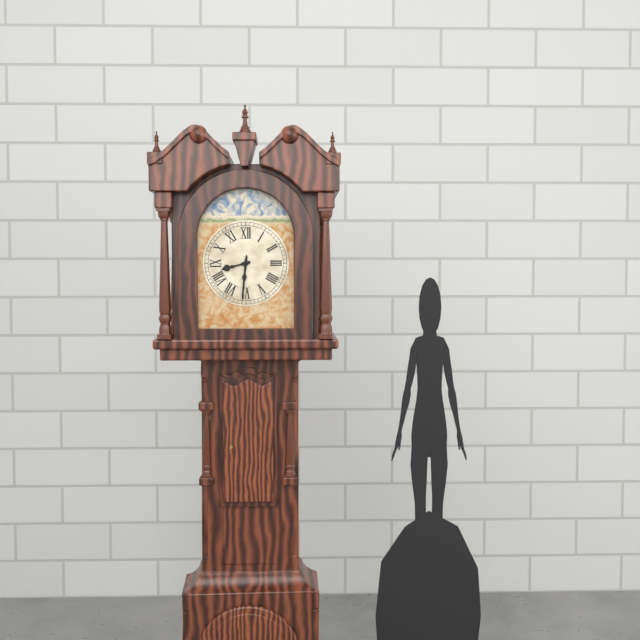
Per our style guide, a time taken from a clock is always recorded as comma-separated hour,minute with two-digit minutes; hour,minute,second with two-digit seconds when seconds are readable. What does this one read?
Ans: 8,31
